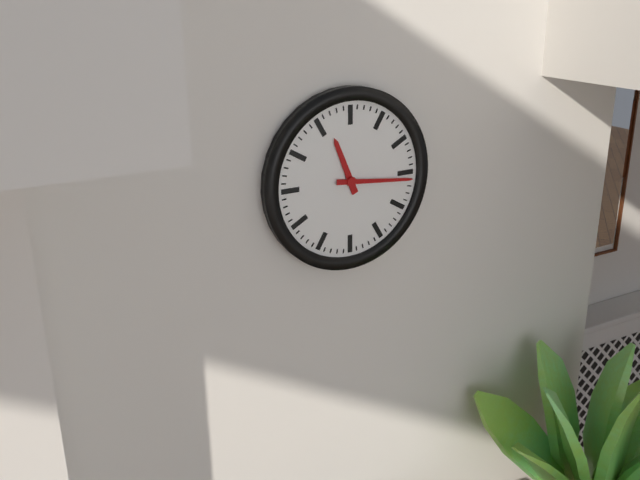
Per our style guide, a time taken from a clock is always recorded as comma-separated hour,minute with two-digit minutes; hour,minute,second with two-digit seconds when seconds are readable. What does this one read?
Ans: 11,16
